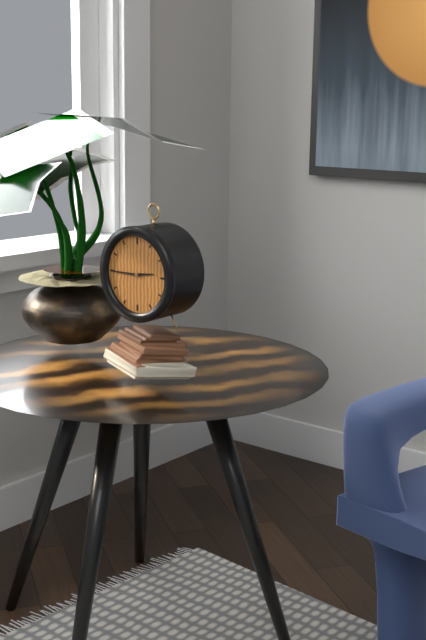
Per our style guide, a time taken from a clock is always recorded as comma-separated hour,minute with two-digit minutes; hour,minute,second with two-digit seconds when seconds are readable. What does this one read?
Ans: 2,45
